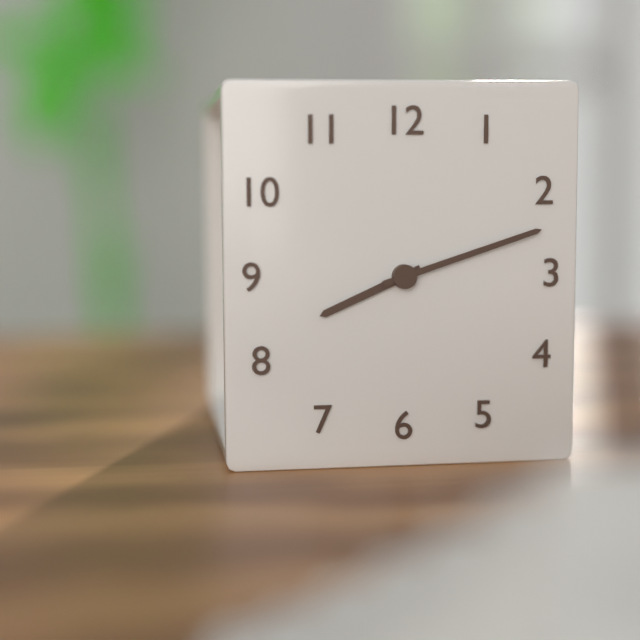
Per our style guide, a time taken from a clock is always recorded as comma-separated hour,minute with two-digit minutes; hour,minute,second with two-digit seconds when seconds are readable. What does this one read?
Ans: 8,12
